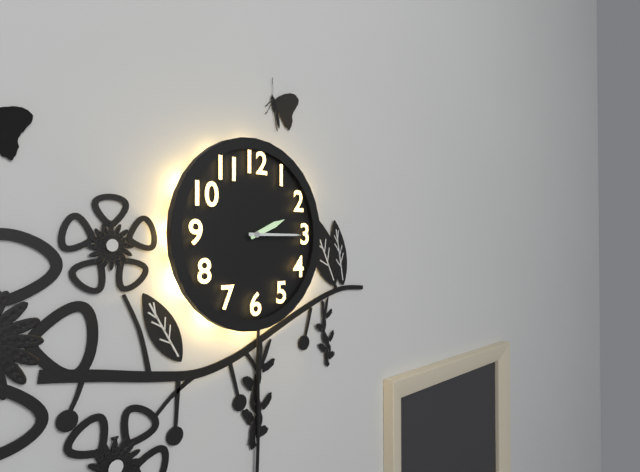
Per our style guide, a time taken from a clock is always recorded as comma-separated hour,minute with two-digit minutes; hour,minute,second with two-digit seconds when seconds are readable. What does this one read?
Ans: 2,15
